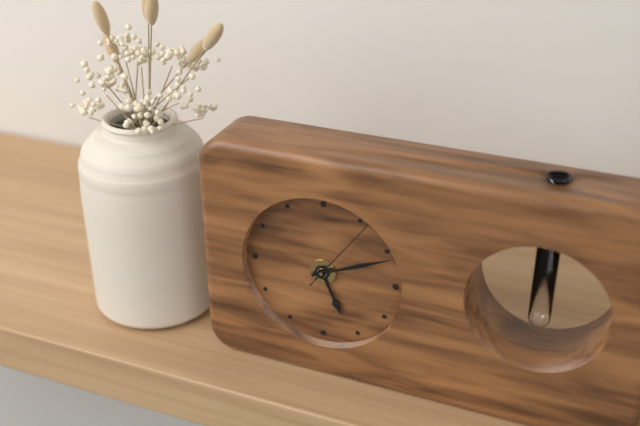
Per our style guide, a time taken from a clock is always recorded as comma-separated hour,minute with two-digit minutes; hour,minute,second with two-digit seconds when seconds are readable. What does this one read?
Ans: 5,11,06
